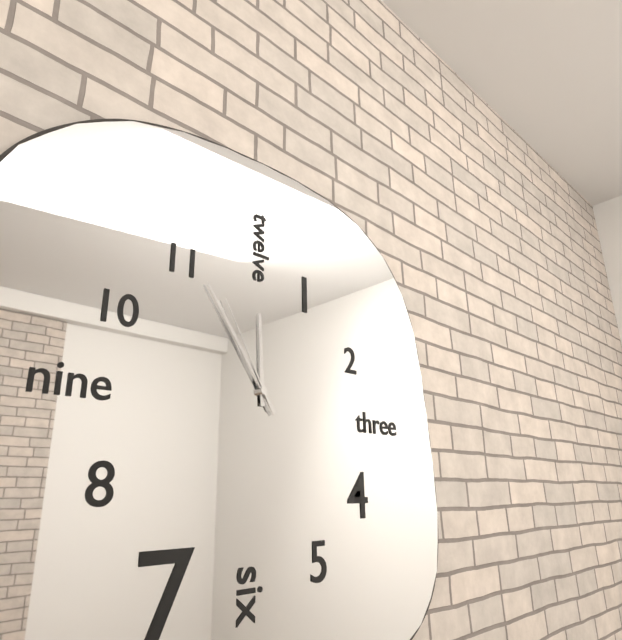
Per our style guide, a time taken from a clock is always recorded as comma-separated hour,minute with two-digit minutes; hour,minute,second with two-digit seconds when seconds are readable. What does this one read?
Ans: 11,54,55
